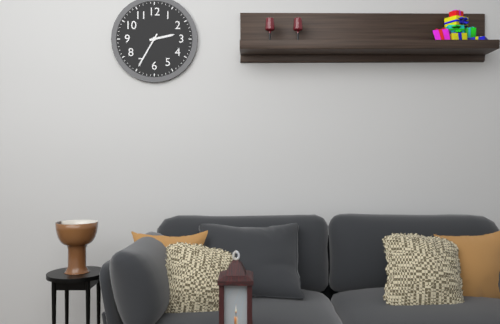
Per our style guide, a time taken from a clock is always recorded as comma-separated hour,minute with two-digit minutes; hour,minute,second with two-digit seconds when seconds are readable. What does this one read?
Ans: 2,35
